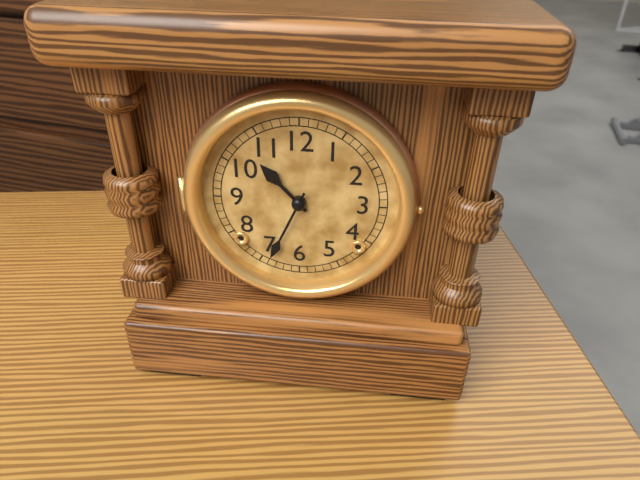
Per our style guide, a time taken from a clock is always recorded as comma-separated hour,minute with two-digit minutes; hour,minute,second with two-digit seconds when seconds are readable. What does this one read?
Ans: 10,34
